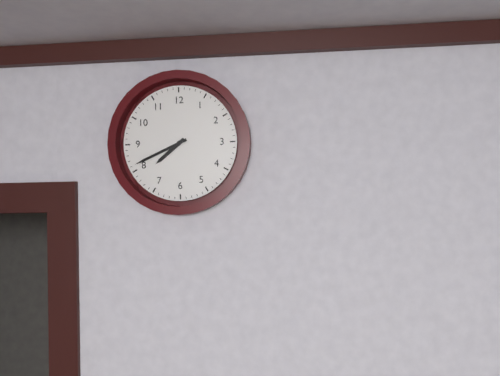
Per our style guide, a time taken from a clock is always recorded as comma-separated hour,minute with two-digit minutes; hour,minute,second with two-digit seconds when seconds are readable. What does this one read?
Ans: 7,41
